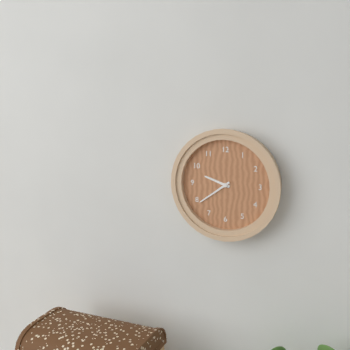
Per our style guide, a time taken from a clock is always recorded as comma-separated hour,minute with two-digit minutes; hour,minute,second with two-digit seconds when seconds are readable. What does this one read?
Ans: 9,39
